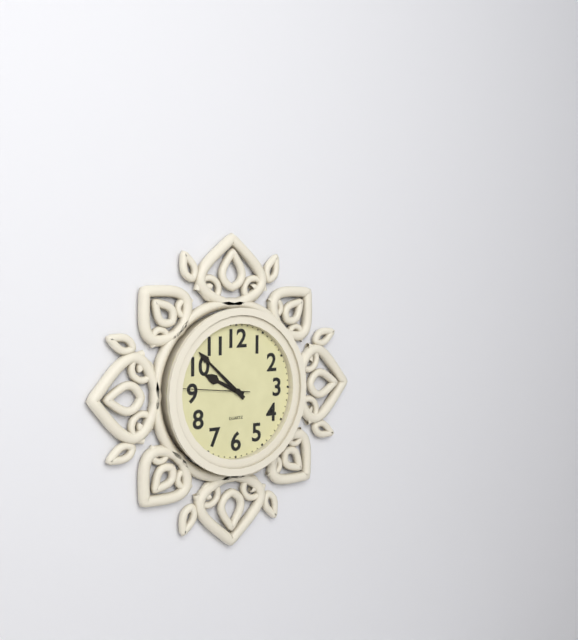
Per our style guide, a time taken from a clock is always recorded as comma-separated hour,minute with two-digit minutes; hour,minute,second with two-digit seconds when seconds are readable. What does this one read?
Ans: 9,52,46
